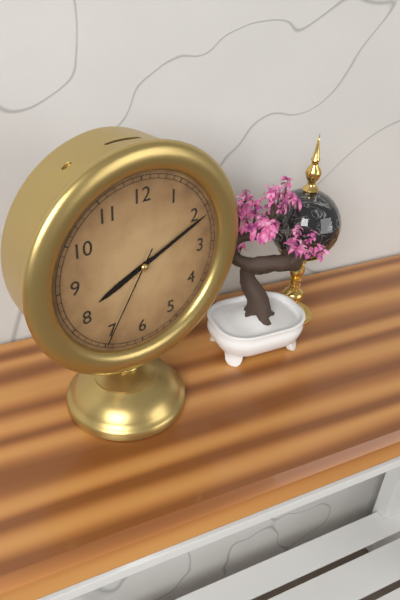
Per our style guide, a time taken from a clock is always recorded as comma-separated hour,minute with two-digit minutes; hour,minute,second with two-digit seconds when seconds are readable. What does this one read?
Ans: 8,11,35
